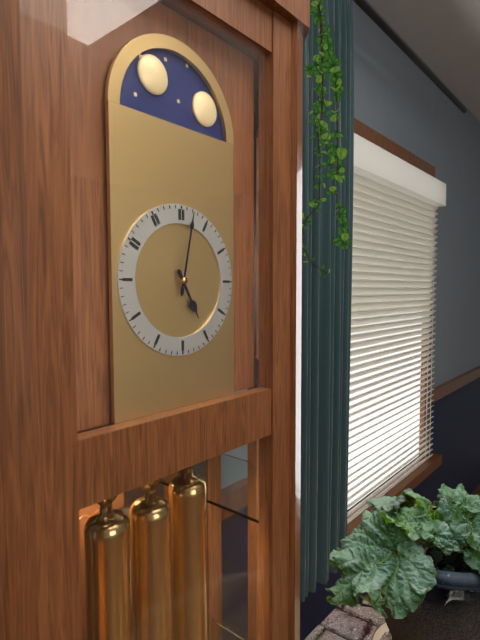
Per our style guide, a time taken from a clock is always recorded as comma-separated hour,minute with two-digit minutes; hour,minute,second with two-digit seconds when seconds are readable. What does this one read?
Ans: 5,02
